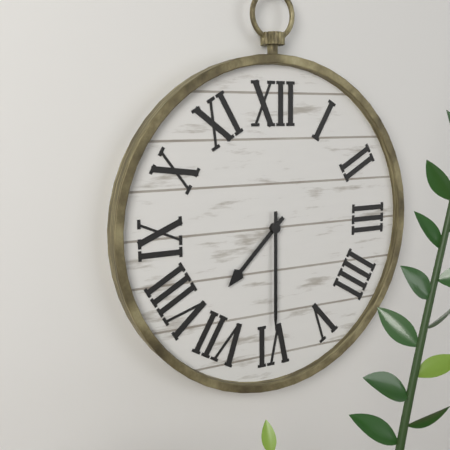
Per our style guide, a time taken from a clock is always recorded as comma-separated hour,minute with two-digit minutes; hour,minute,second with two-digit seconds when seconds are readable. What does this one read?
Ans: 7,30
